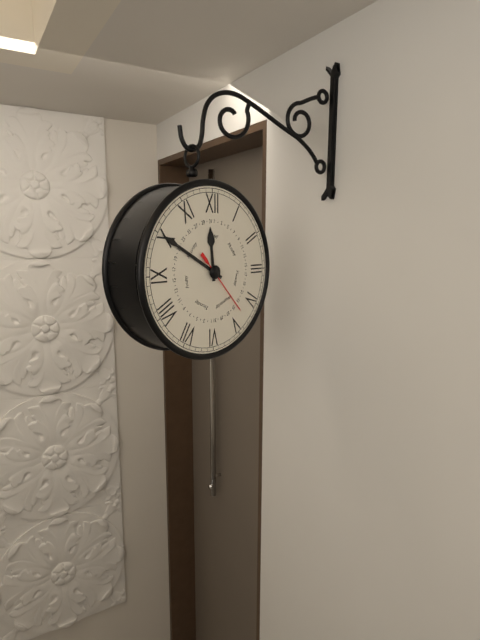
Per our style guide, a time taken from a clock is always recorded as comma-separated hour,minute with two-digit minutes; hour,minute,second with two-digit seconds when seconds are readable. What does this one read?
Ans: 11,50,23
